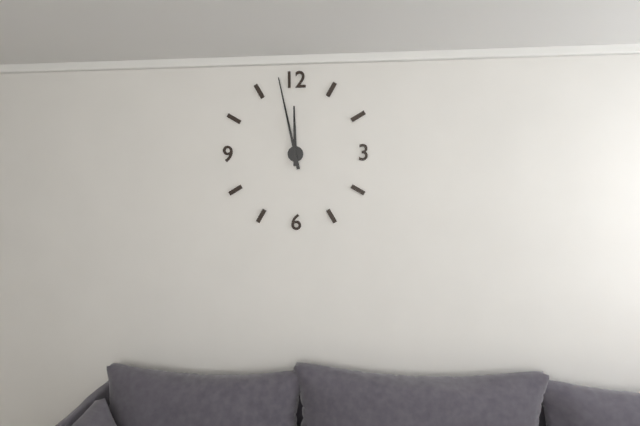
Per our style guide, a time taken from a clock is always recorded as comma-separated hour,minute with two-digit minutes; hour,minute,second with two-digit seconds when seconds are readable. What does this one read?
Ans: 11,58
